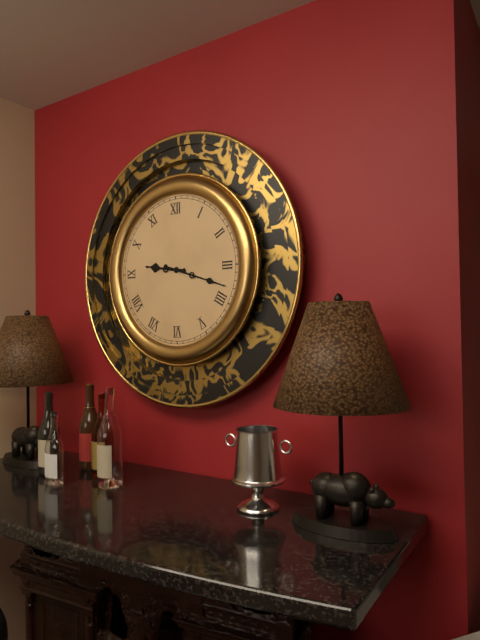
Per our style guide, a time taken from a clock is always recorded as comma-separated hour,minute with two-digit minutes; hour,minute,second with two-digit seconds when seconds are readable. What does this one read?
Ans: 9,18
